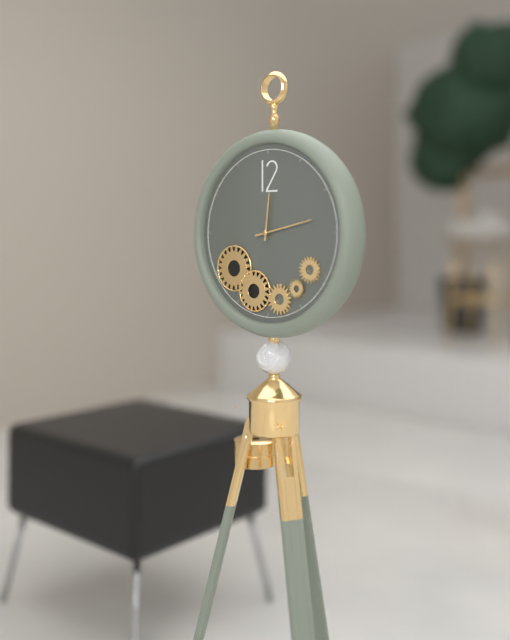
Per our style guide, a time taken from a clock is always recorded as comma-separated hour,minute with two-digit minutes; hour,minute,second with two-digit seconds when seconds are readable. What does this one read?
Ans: 12,13
